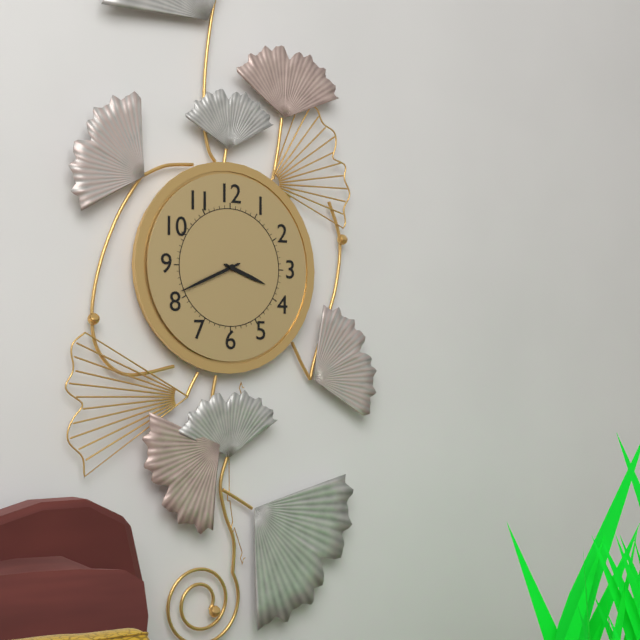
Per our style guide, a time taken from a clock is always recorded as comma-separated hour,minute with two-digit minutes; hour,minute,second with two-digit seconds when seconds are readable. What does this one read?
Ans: 3,41
